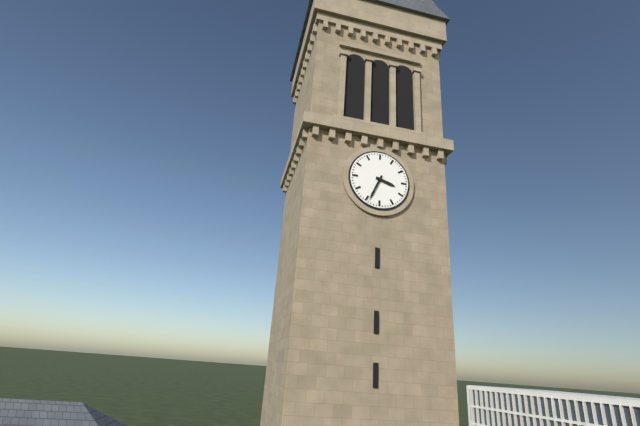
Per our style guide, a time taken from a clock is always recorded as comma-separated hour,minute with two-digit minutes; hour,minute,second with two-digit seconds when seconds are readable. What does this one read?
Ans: 3,34
